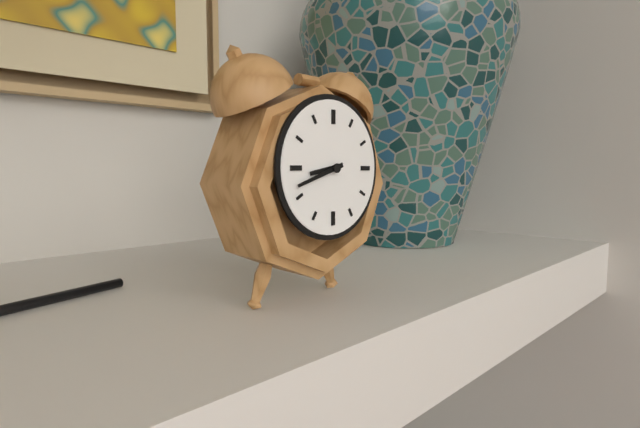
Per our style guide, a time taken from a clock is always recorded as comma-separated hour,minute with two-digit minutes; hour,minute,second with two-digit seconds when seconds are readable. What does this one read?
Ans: 8,42
